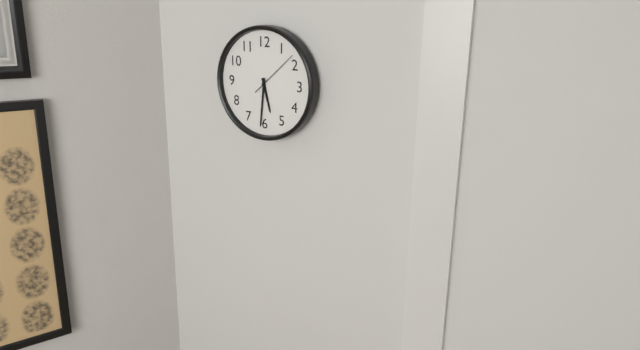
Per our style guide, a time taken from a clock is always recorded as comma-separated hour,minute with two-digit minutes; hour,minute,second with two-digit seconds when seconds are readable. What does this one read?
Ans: 5,31,08
